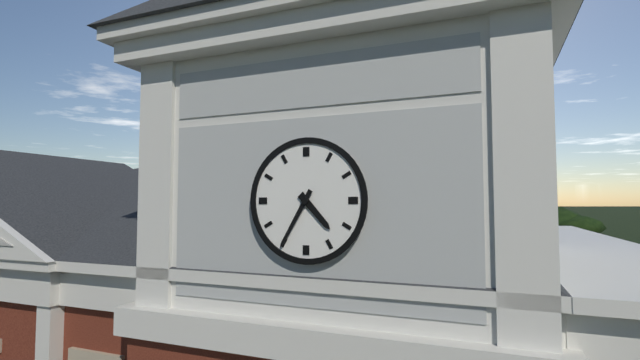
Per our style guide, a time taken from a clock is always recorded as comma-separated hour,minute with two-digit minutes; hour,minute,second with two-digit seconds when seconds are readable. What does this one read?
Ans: 4,35
